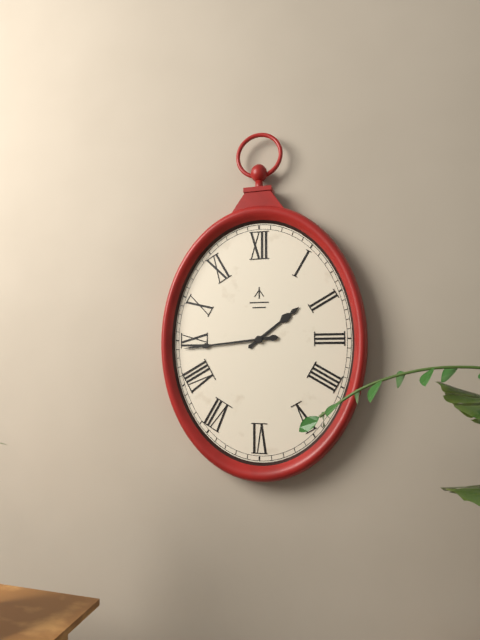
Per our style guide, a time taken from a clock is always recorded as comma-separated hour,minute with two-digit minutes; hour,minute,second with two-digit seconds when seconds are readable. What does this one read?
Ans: 1,44
